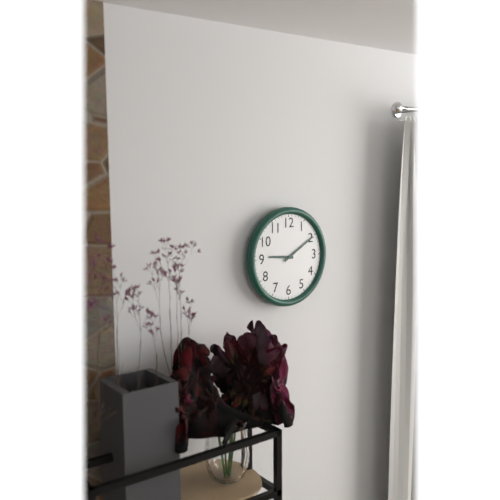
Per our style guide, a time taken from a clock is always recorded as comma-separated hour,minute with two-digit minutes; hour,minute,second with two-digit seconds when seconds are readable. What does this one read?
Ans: 9,10
